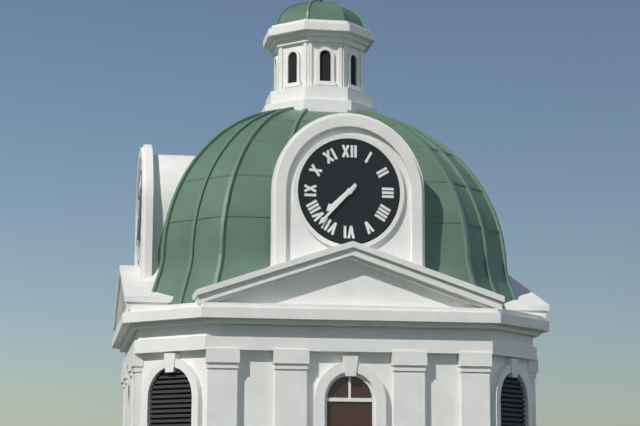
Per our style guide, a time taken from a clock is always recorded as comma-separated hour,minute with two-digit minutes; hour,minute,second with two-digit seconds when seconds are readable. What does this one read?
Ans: 7,37
